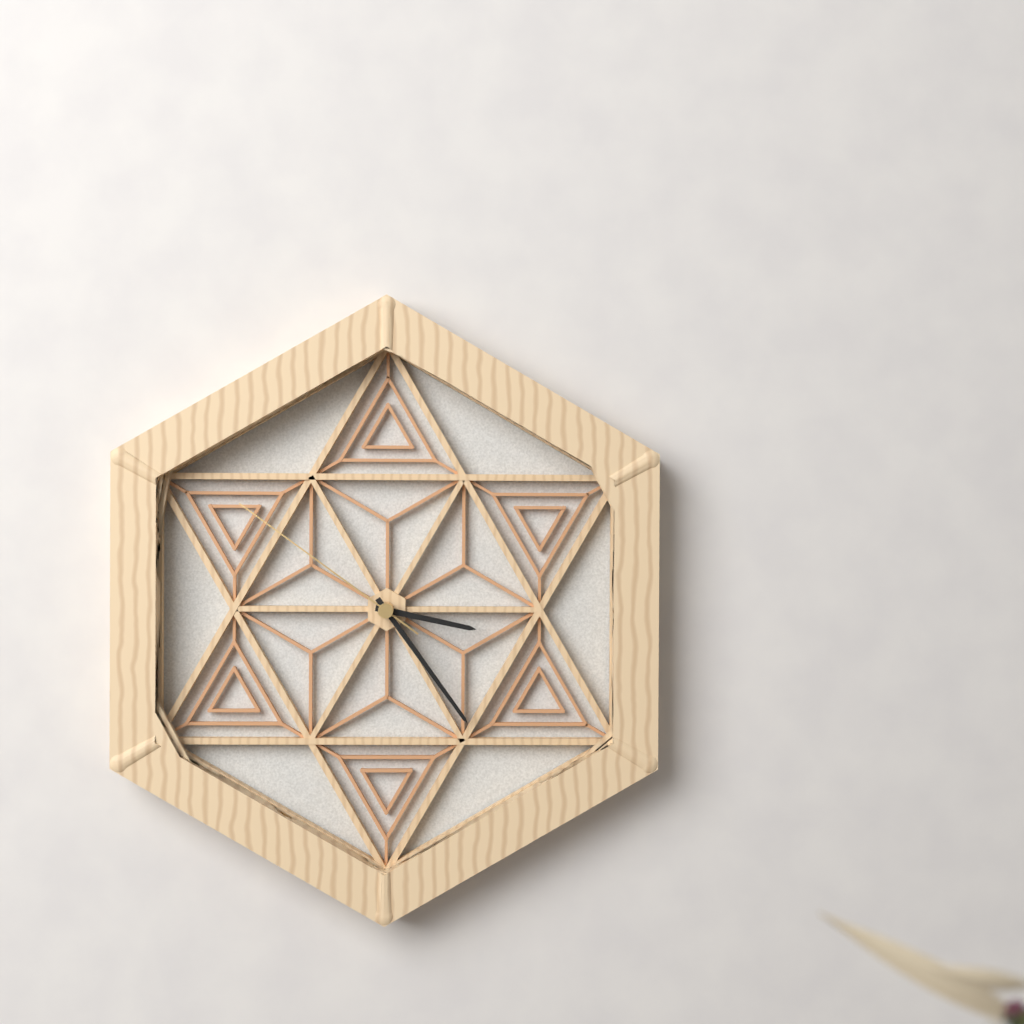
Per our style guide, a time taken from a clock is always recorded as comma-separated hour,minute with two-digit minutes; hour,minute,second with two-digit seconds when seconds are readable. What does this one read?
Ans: 3,24,51
